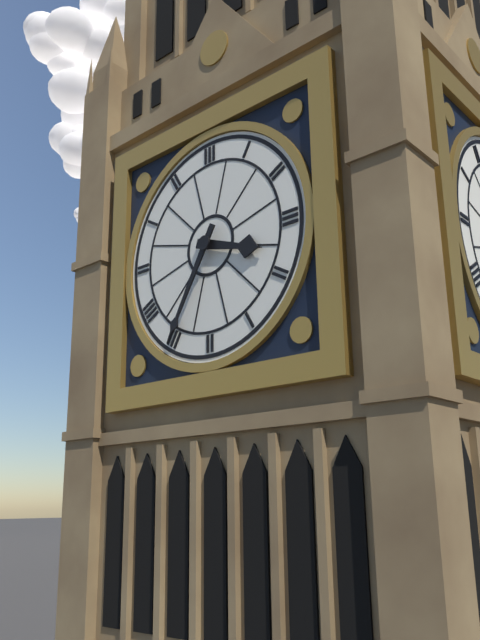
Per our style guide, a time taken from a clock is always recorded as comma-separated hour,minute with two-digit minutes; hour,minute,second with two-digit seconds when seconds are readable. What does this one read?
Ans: 3,35
